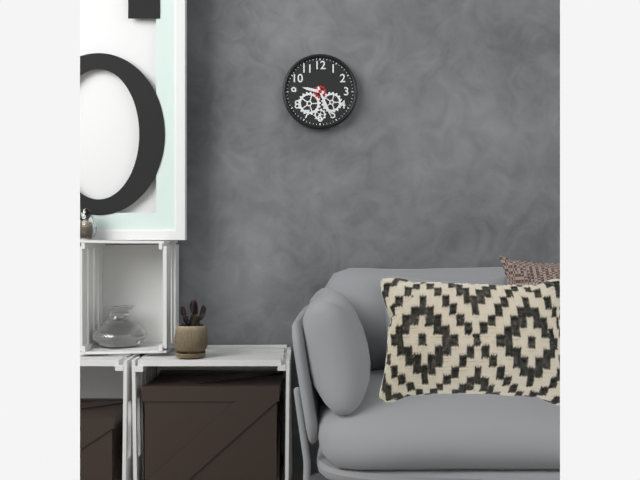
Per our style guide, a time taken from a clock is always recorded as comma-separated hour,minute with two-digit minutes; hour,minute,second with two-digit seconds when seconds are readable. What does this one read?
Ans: 9,26
